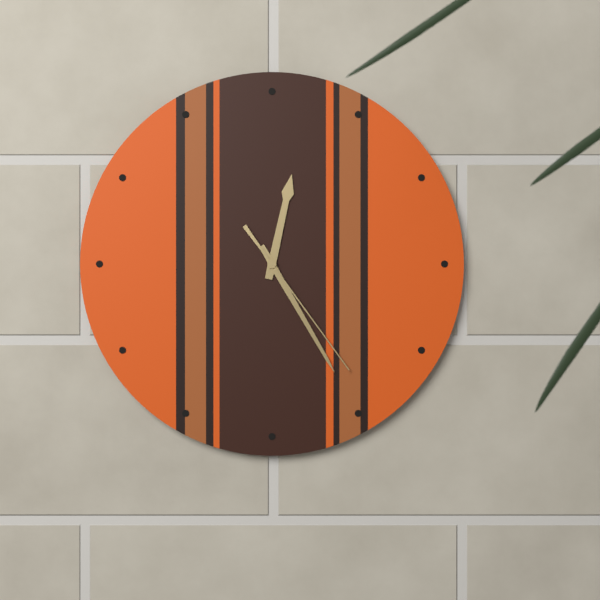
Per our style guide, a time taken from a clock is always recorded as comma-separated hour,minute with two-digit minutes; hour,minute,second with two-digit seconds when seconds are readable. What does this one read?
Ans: 12,25,24
